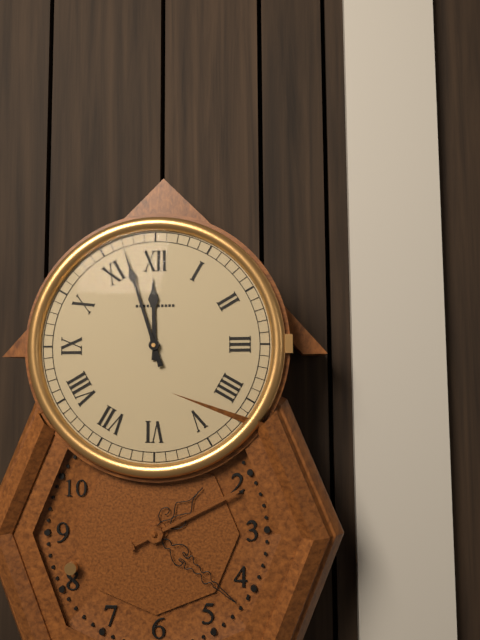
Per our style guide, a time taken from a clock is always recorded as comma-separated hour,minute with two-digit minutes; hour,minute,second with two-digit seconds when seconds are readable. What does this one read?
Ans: 11,57
